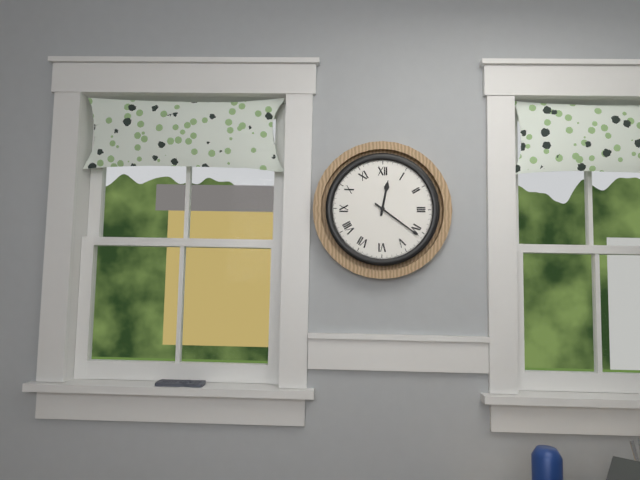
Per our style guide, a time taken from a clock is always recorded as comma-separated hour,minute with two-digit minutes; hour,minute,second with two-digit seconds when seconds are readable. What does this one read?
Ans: 12,21
